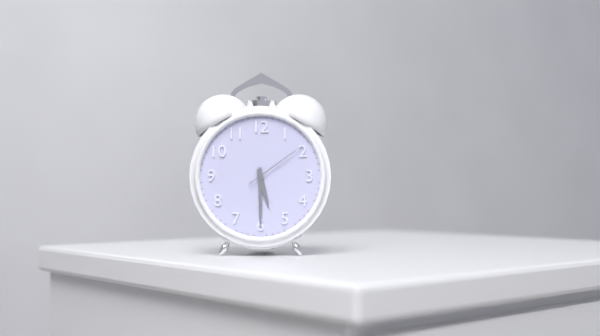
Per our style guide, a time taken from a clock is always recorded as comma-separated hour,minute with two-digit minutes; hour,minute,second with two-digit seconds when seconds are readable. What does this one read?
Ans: 5,30,09
